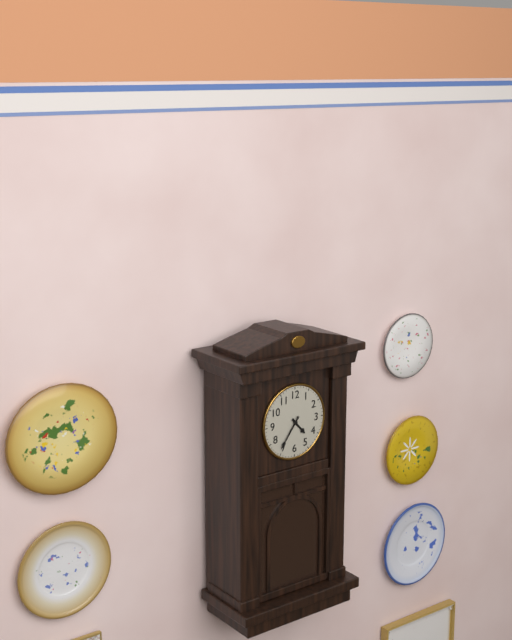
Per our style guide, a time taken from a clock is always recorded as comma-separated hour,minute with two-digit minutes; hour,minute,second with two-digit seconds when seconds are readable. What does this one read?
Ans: 4,36
